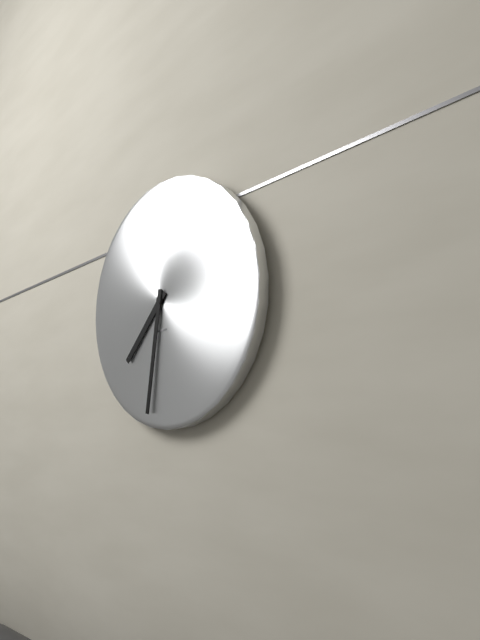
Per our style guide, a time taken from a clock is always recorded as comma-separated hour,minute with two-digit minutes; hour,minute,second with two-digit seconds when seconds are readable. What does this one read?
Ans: 7,32
